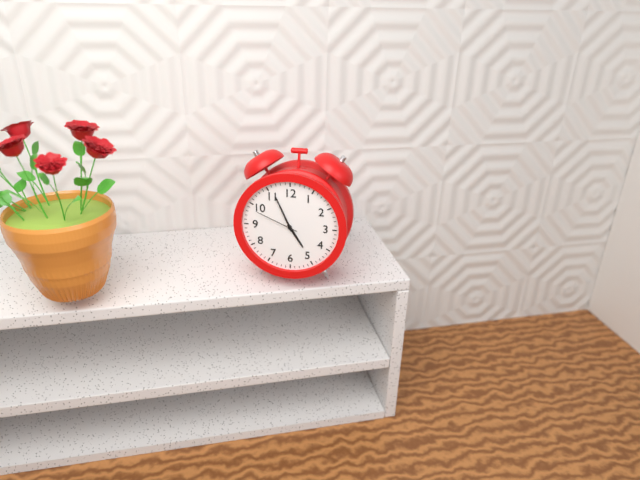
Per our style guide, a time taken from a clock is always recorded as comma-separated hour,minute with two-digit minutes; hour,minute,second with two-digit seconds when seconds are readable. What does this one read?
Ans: 4,56
